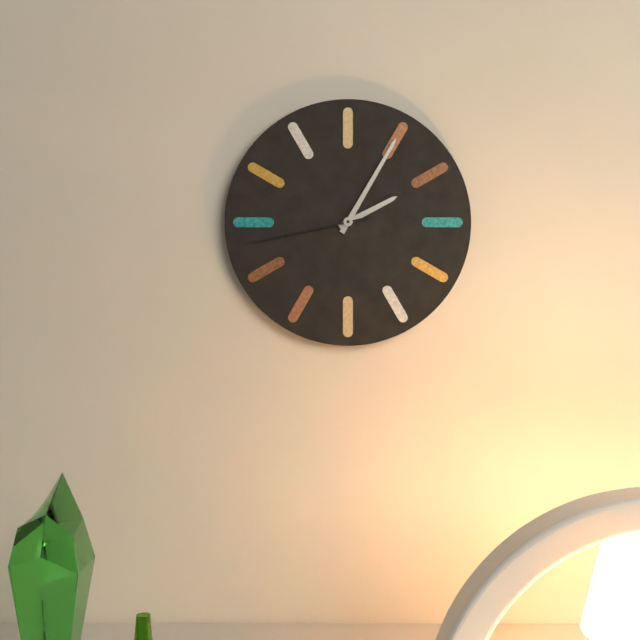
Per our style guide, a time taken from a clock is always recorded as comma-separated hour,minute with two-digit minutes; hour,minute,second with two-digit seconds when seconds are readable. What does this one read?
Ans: 2,05,43
